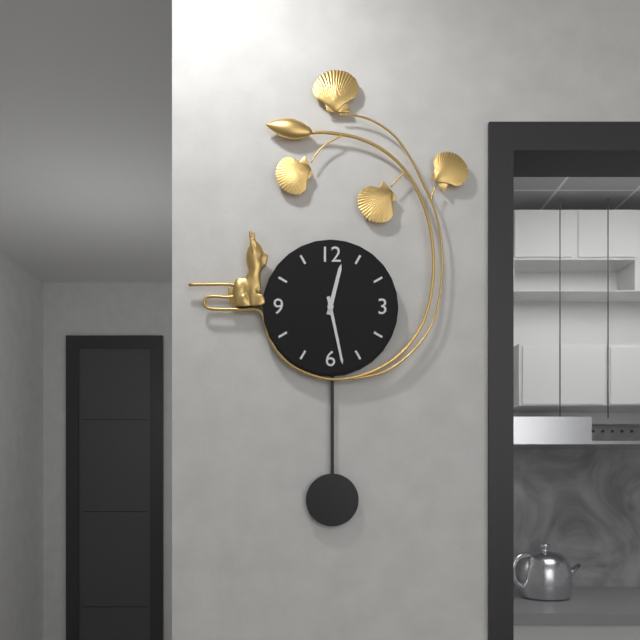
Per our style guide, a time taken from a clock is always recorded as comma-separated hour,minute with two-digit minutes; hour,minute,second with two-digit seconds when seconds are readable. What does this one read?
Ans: 12,28
